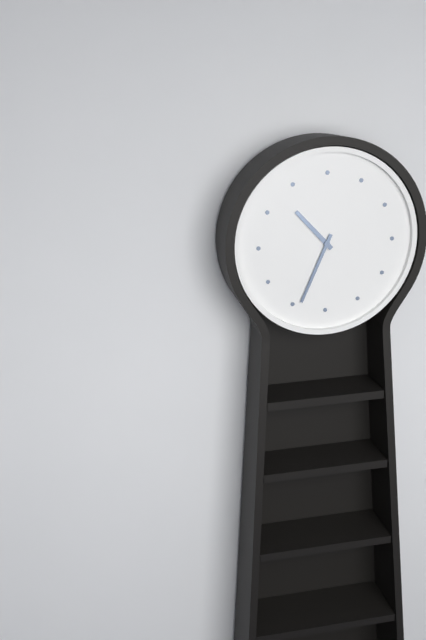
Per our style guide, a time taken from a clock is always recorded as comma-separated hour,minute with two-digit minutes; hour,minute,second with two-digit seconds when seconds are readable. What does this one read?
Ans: 10,34
